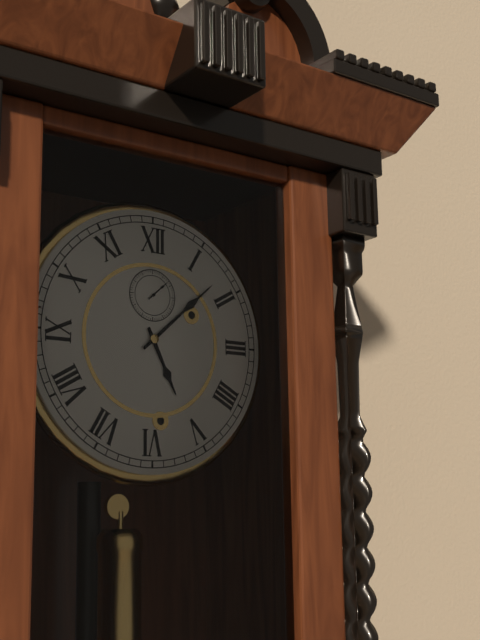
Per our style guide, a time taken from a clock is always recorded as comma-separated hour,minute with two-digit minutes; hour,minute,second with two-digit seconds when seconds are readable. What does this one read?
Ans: 5,08
